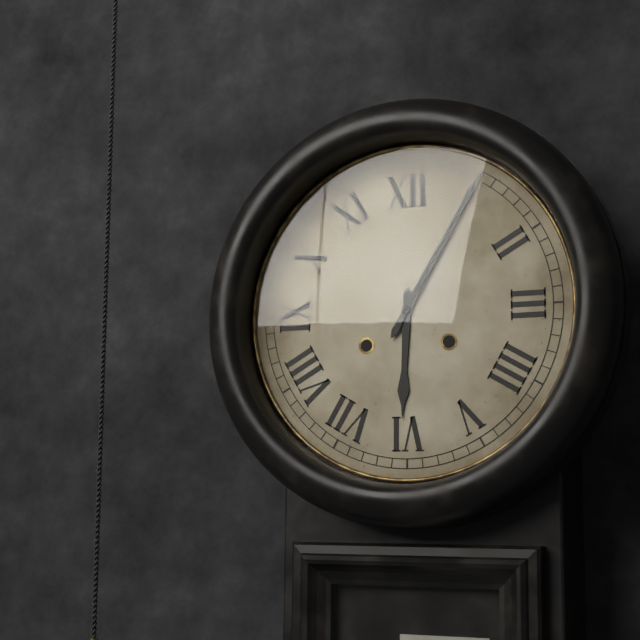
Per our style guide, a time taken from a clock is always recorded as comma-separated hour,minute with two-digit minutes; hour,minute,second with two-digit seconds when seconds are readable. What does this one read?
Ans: 6,05
